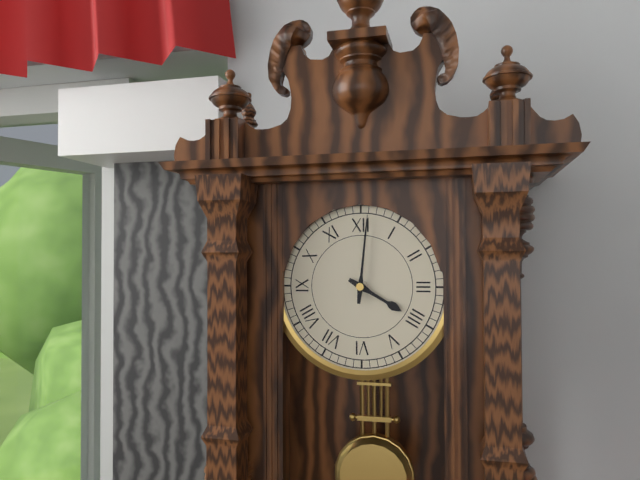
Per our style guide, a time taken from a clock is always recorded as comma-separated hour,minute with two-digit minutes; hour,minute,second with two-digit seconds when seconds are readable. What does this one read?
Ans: 4,01
